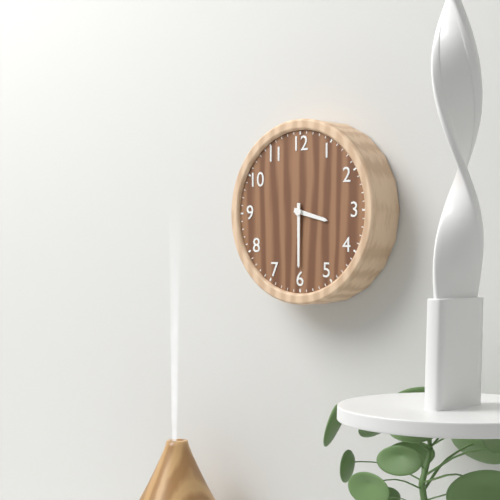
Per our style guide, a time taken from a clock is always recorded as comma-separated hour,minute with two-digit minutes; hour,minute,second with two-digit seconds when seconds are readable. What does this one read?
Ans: 3,30
